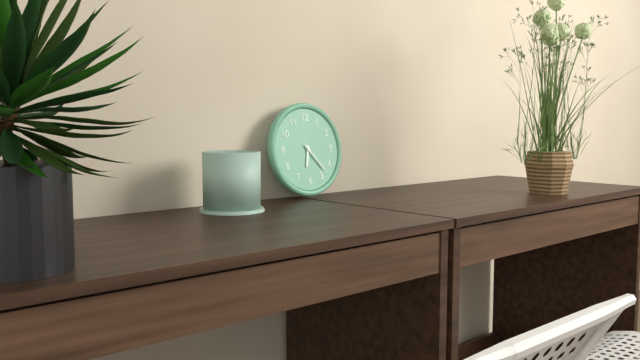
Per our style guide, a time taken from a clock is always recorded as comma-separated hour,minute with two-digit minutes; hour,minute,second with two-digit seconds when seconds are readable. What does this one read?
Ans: 6,23
